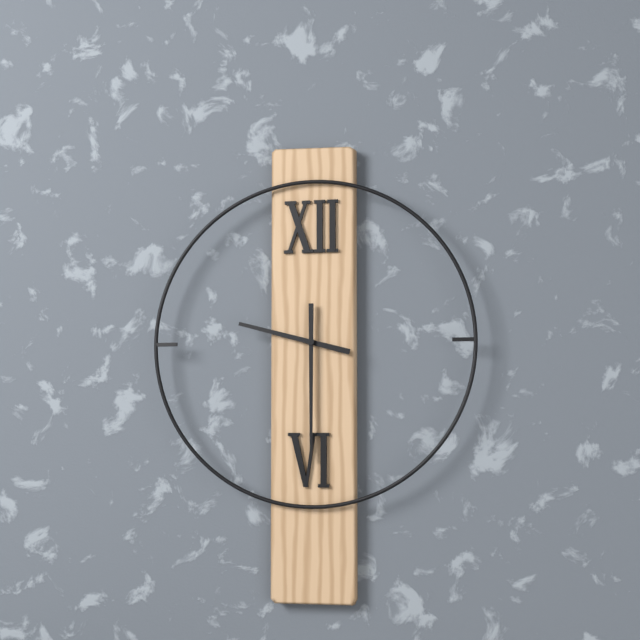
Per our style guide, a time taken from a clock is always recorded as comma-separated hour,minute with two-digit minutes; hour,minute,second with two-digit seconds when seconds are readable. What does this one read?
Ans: 9,30
